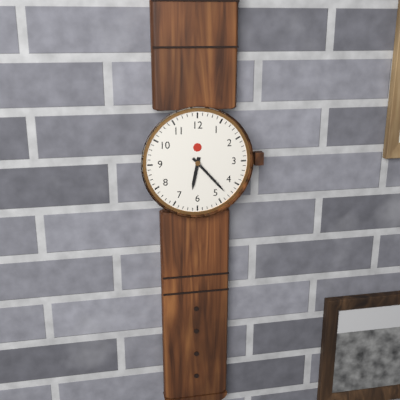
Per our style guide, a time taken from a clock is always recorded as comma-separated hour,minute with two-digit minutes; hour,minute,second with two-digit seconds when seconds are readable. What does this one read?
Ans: 6,23
